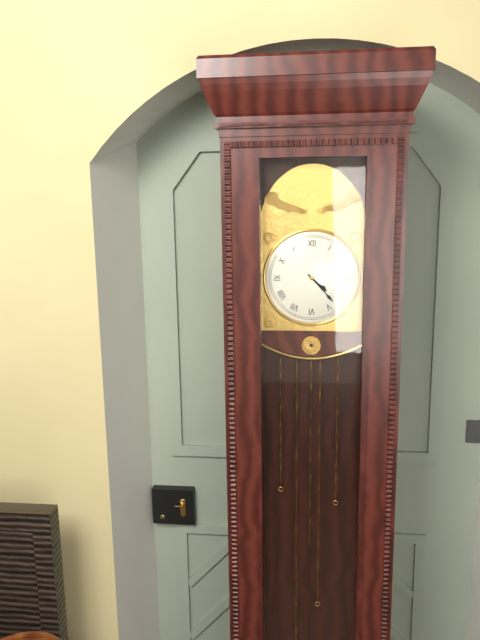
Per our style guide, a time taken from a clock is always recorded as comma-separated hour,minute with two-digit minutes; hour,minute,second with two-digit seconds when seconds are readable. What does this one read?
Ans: 4,23
